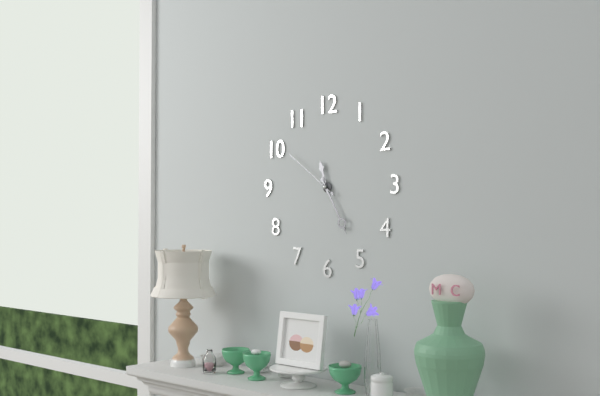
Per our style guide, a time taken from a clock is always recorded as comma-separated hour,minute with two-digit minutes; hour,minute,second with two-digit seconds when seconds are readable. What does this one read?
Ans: 11,25,51
